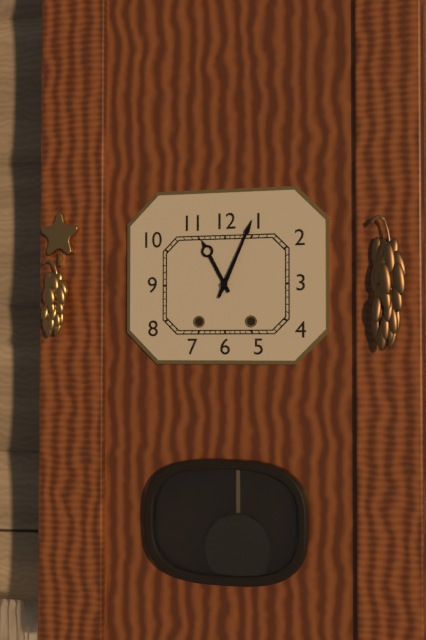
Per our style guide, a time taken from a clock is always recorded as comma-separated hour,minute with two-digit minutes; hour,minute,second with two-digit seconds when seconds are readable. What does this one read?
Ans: 11,04
